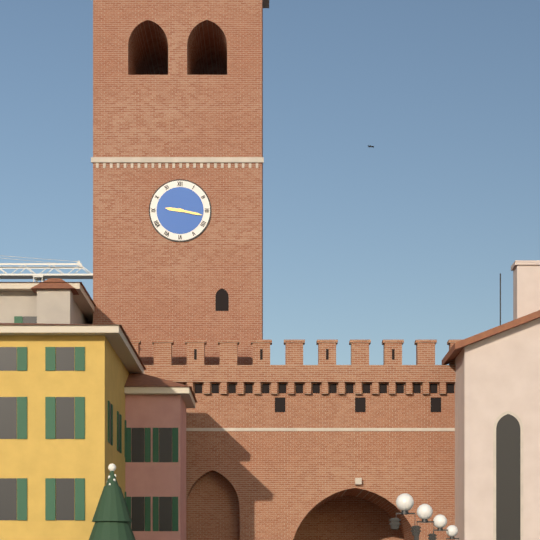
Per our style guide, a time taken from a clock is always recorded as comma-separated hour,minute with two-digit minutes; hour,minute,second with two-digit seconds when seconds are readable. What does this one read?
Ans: 9,17
